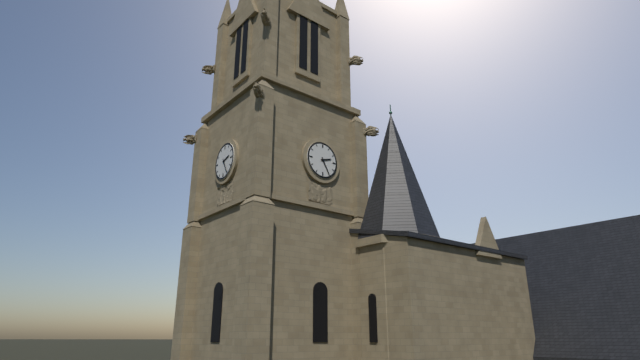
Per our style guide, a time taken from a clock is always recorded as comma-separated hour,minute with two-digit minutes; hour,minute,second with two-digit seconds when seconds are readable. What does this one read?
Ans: 2,25
